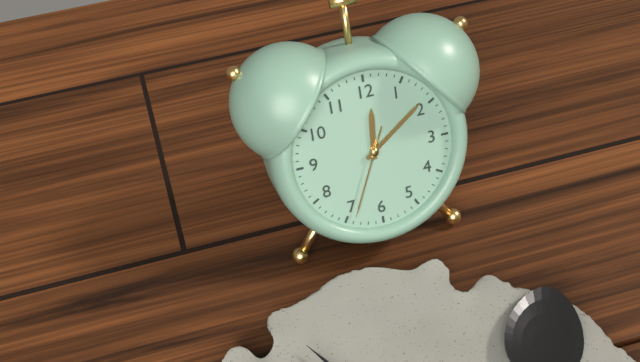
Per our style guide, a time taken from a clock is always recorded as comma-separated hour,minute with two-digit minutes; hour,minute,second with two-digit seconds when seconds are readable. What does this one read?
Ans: 12,09,34
